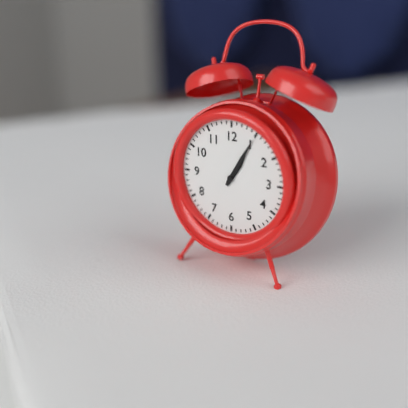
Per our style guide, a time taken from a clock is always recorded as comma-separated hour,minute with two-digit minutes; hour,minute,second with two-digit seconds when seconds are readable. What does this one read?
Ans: 1,05
